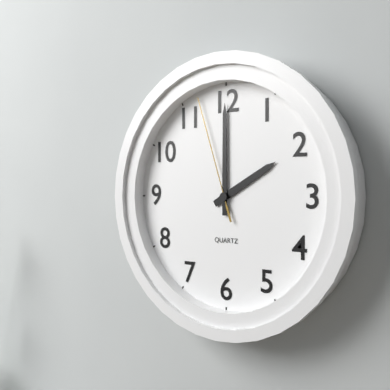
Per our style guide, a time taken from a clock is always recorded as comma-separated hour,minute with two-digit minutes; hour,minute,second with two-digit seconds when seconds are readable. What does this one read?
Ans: 2,00,57
